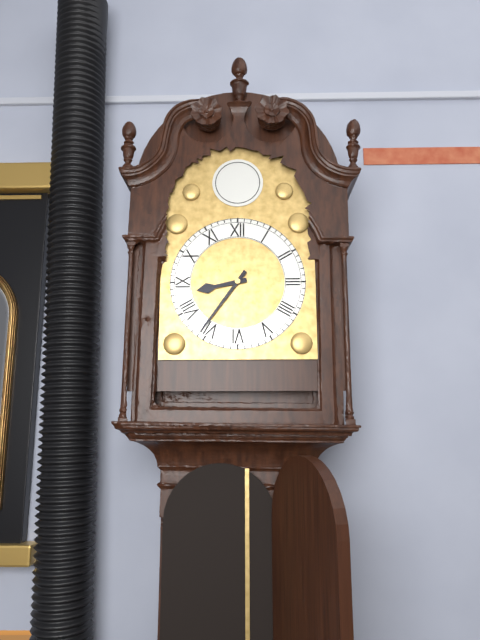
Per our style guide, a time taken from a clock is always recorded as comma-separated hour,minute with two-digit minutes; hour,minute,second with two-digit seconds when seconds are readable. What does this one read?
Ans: 8,36
